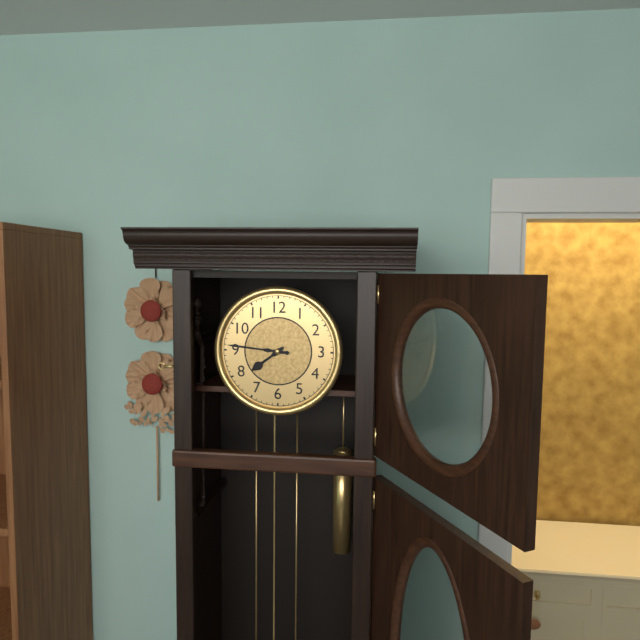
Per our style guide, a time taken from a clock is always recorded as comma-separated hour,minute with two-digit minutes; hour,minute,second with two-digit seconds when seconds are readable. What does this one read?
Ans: 7,46
